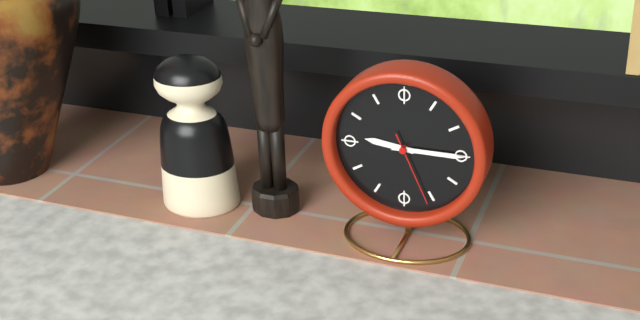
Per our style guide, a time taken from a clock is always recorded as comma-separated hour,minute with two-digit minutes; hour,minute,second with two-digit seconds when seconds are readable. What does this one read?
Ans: 9,15,26
